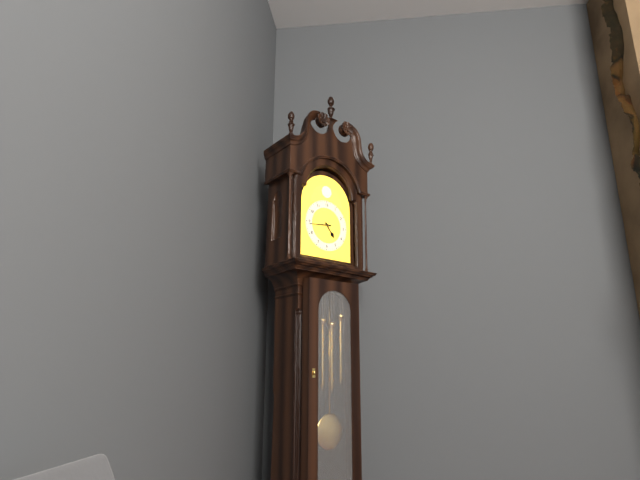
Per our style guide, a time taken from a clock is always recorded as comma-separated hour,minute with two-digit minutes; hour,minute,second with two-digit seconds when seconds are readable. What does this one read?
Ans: 4,44
